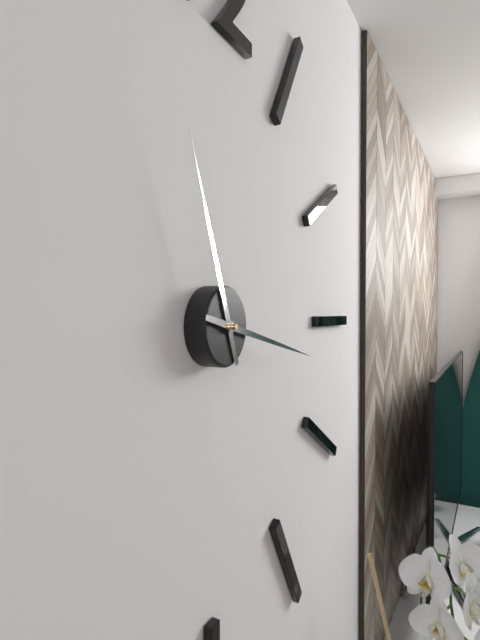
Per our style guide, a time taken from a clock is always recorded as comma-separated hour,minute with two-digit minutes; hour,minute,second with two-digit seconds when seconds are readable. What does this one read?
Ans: 11,17
